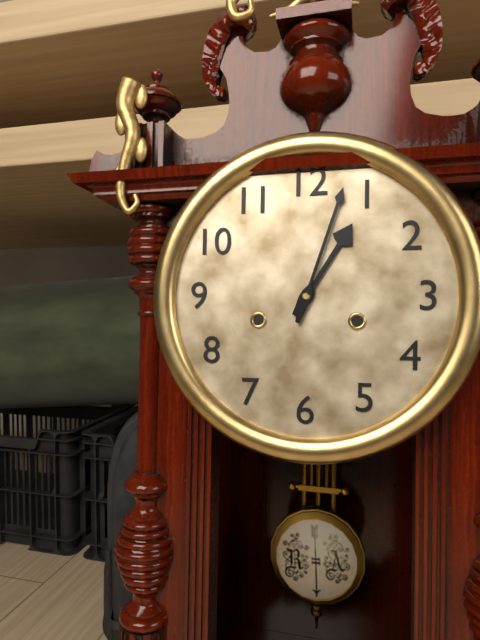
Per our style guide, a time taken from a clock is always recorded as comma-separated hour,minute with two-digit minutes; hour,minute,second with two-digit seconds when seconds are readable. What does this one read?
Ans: 1,03
